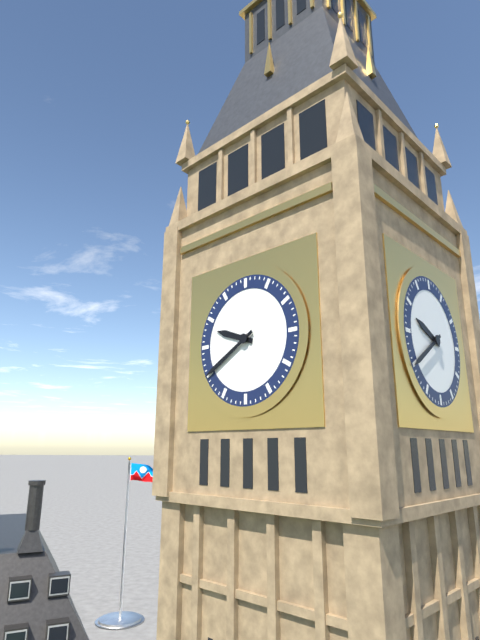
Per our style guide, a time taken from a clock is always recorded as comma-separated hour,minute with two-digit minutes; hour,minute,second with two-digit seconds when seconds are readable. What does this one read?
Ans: 9,40
